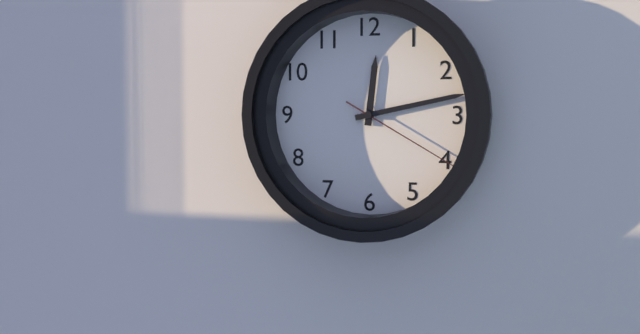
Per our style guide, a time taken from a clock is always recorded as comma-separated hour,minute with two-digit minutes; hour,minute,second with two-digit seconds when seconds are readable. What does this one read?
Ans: 12,13,20
